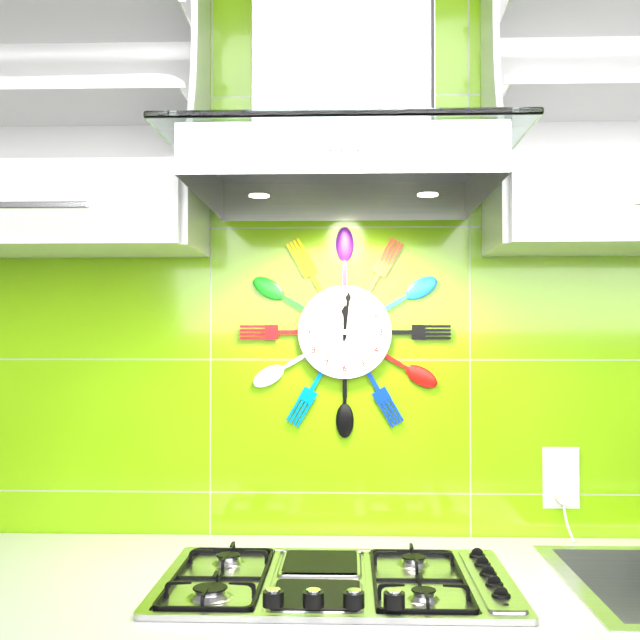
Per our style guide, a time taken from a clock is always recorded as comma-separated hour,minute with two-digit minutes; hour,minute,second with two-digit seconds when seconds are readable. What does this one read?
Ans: 12,01
